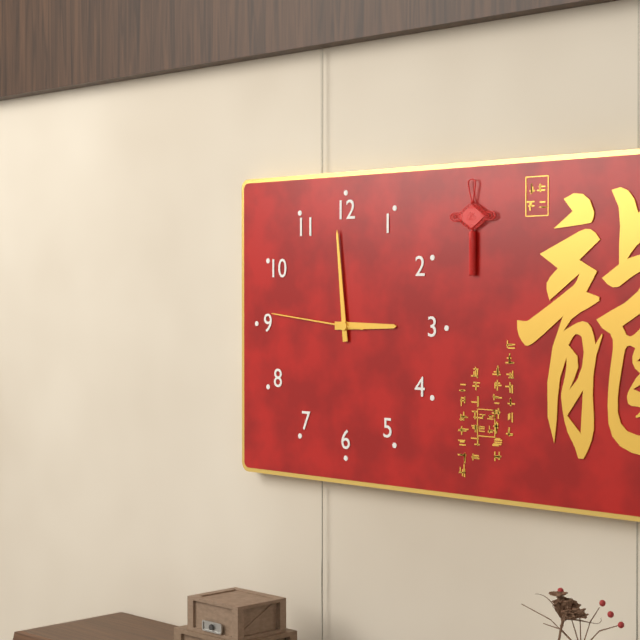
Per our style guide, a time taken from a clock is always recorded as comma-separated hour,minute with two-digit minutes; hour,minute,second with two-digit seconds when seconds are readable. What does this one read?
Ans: 2,59,46
